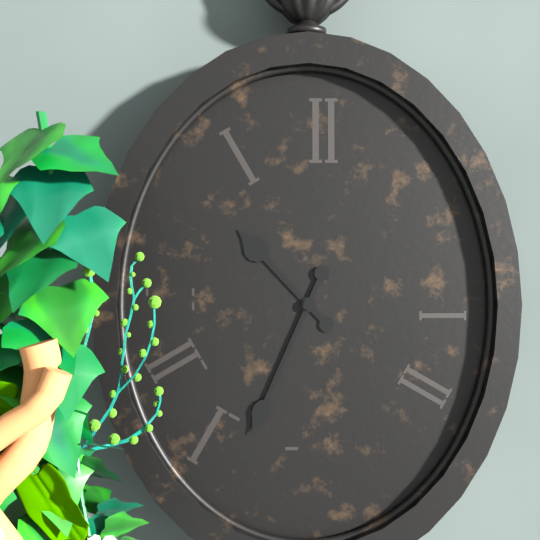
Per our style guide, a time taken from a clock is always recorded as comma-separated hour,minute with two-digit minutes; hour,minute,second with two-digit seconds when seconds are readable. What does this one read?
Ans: 10,34
